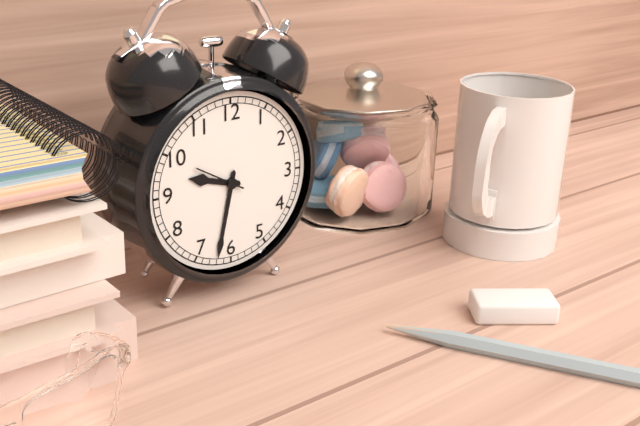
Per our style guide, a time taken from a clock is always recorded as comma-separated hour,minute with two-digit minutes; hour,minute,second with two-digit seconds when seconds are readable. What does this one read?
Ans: 9,32
